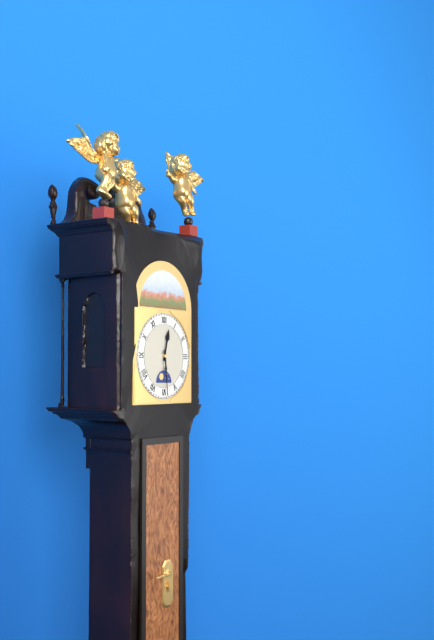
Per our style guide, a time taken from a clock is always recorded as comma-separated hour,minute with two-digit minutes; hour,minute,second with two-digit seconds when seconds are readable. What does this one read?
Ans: 12,29
